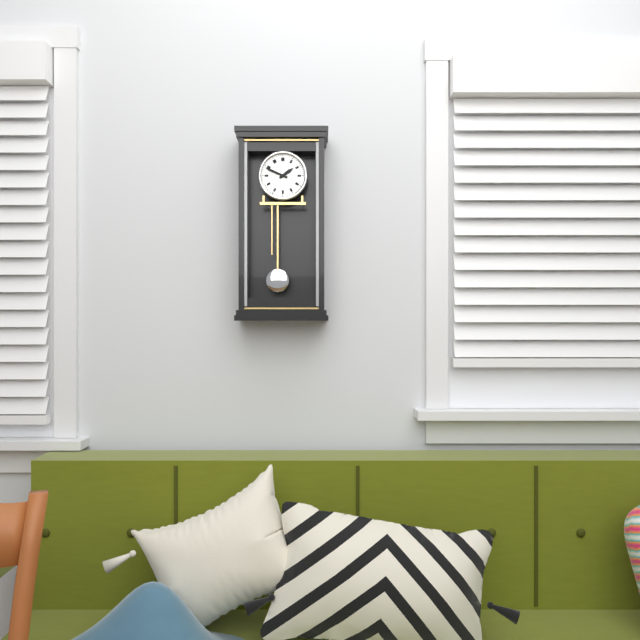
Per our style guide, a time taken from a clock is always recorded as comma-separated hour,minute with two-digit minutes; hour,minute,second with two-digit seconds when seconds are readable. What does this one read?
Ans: 1,49
